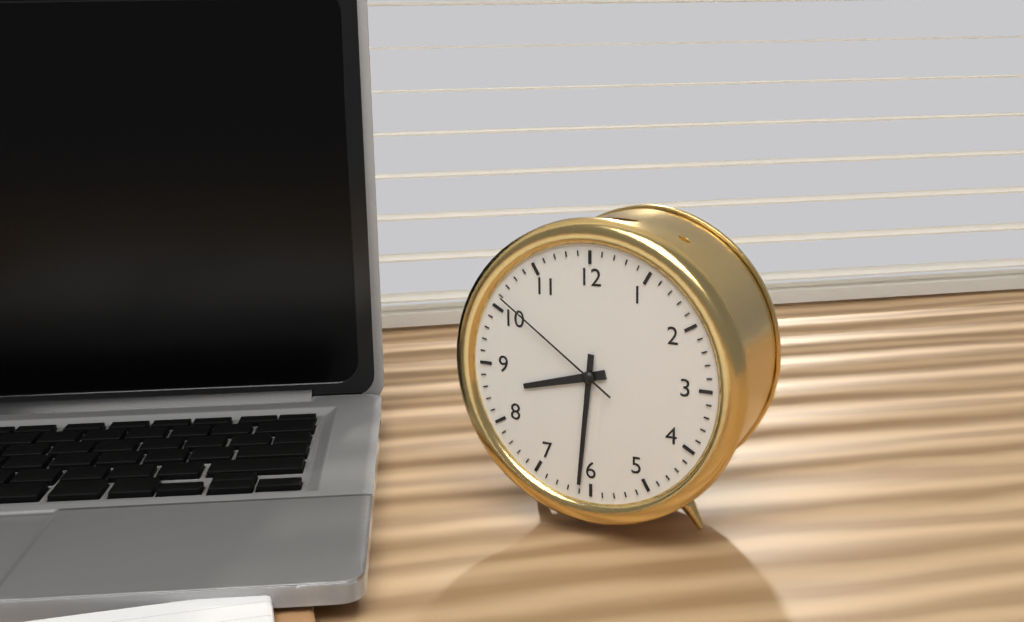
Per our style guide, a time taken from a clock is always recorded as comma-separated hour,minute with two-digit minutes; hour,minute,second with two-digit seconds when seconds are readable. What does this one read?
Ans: 8,31,51
